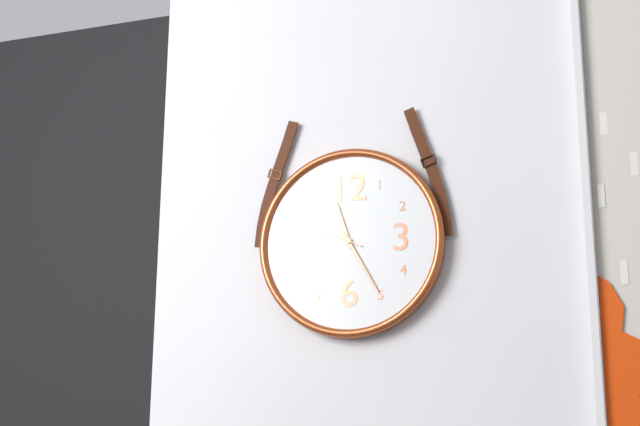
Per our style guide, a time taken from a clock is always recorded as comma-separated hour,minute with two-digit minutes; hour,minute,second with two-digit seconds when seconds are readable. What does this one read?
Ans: 11,25,49
